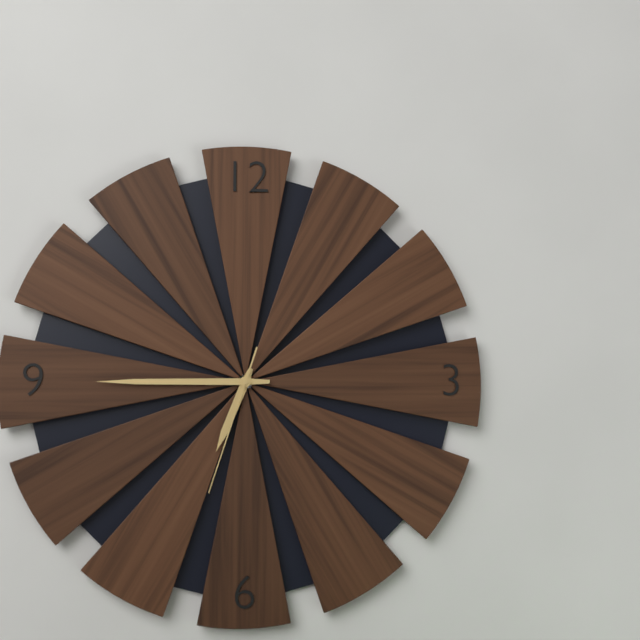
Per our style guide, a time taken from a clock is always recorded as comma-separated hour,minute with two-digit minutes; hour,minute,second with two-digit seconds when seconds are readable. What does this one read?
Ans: 6,45,33
